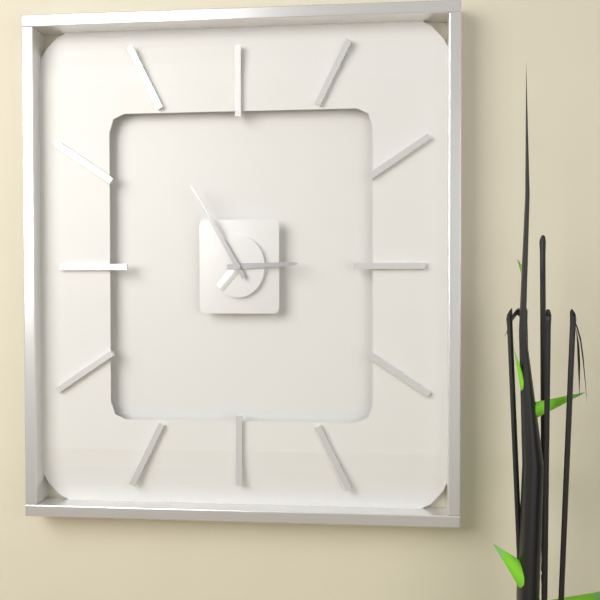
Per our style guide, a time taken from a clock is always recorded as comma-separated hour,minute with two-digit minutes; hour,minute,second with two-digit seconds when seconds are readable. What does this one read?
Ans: 2,55
